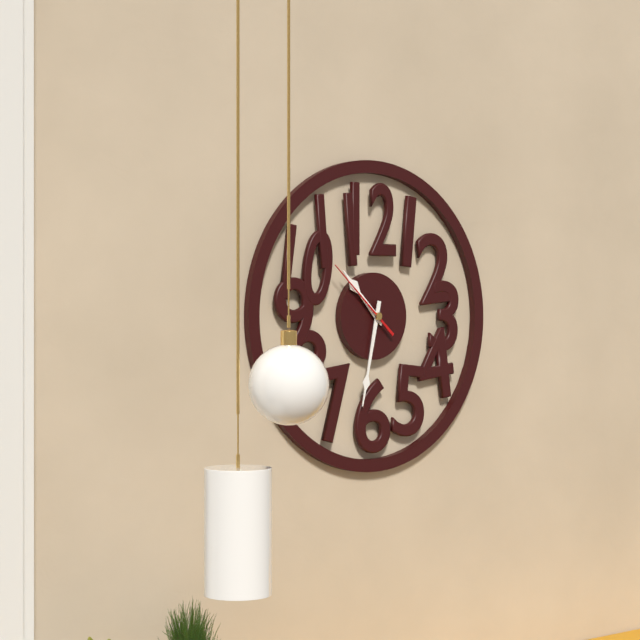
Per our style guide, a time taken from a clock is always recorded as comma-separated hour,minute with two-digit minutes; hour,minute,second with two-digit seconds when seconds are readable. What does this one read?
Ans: 10,32,52
